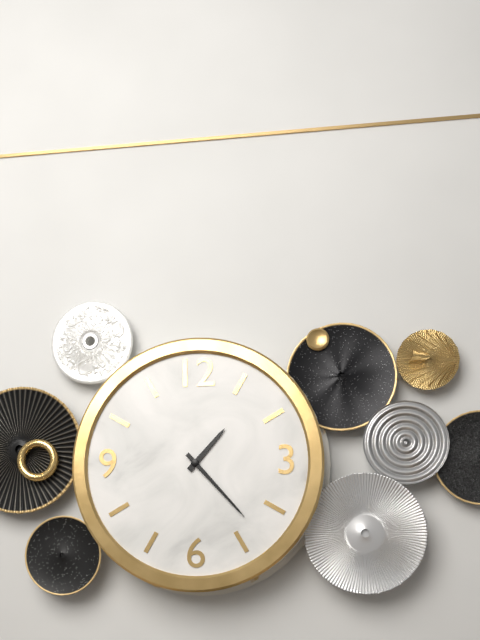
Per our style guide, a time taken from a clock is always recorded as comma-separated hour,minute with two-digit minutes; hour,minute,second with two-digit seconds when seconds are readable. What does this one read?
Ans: 1,23
